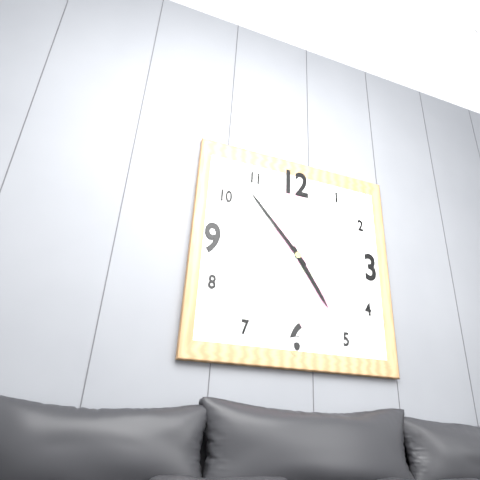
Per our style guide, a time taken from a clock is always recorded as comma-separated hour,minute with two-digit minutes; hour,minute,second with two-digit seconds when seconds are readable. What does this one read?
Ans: 4,53
